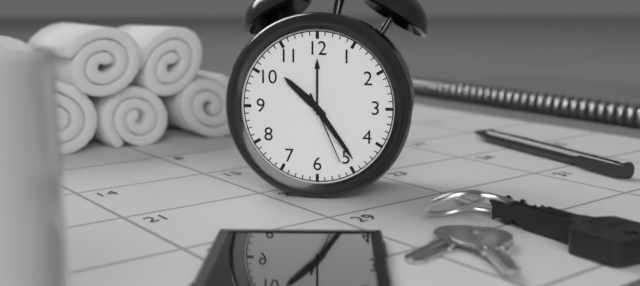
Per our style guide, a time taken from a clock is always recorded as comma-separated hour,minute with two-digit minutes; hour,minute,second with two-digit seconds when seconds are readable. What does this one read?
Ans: 10,24,26
